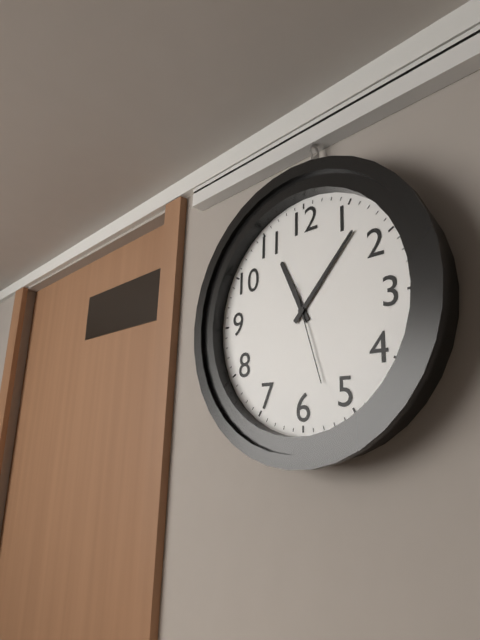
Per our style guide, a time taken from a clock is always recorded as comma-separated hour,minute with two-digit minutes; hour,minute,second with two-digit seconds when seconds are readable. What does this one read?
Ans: 11,07,27
